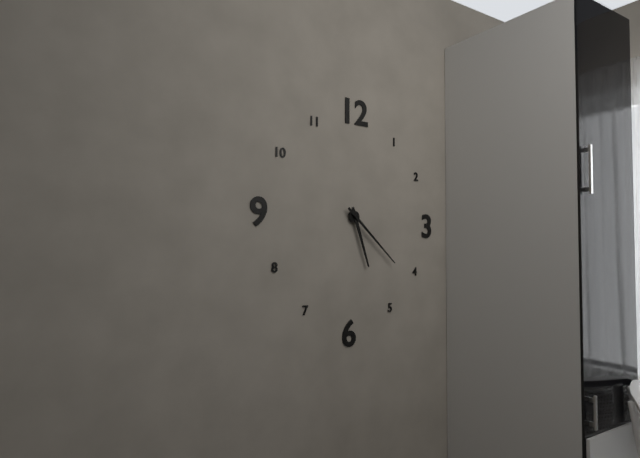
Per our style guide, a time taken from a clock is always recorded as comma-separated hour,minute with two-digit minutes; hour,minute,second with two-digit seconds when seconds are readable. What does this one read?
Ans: 5,22
